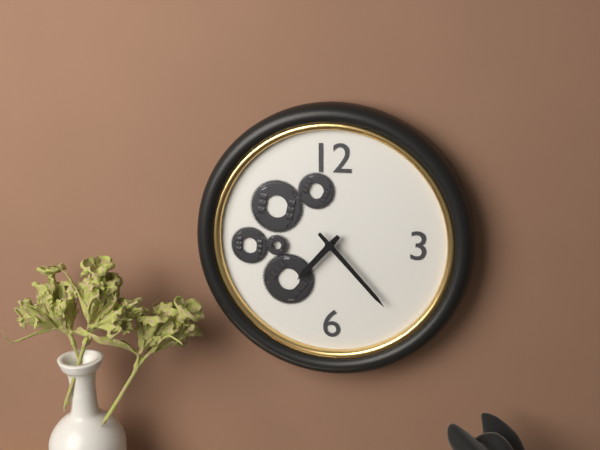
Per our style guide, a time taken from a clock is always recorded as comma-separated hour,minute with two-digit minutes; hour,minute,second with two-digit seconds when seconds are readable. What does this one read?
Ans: 7,23
